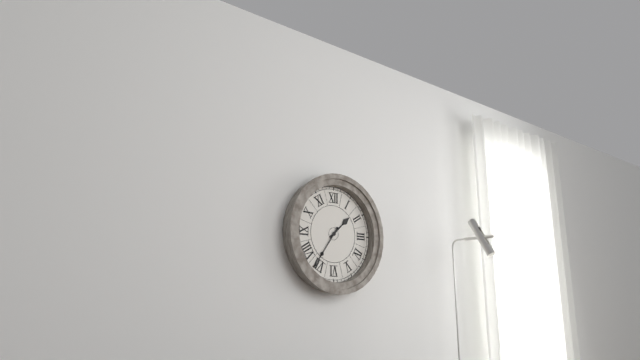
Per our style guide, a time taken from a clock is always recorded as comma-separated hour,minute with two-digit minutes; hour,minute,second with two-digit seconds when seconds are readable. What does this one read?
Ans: 1,36
